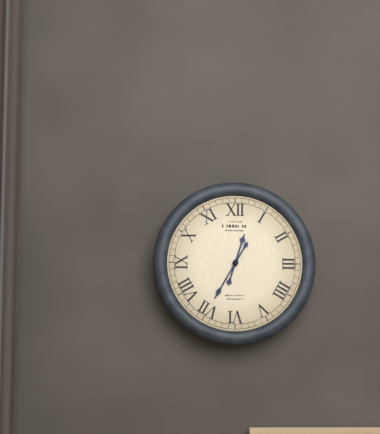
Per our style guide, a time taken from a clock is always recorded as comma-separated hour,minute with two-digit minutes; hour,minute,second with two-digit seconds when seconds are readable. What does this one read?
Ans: 12,35
